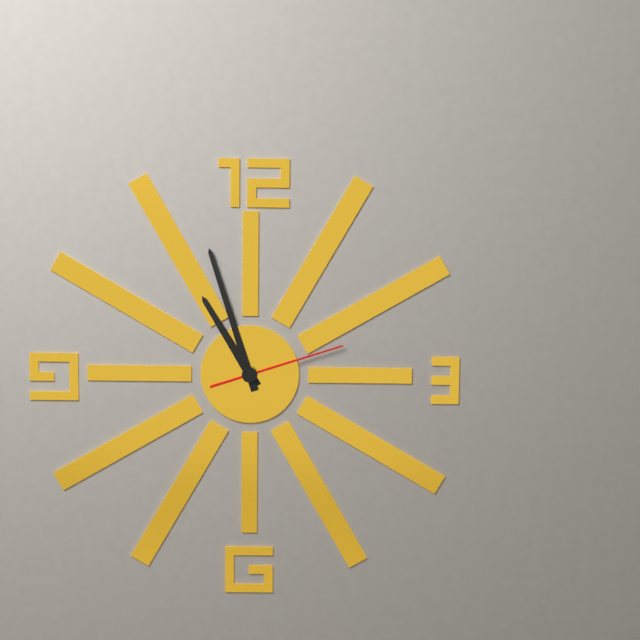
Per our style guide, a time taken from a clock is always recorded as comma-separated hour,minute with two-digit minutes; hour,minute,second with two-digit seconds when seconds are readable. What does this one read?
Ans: 10,57,12
